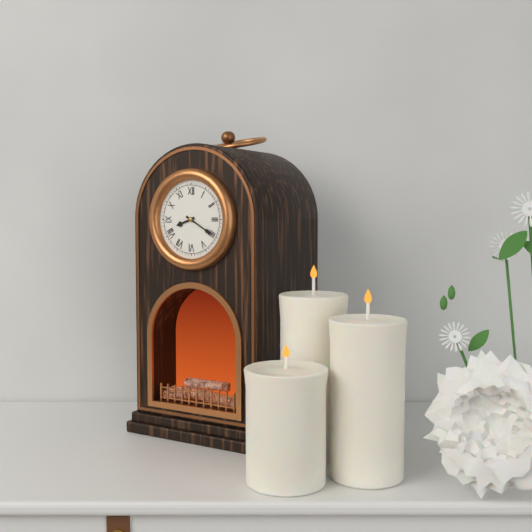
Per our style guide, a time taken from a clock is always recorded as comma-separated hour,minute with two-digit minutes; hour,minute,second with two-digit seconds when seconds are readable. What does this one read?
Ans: 8,20
